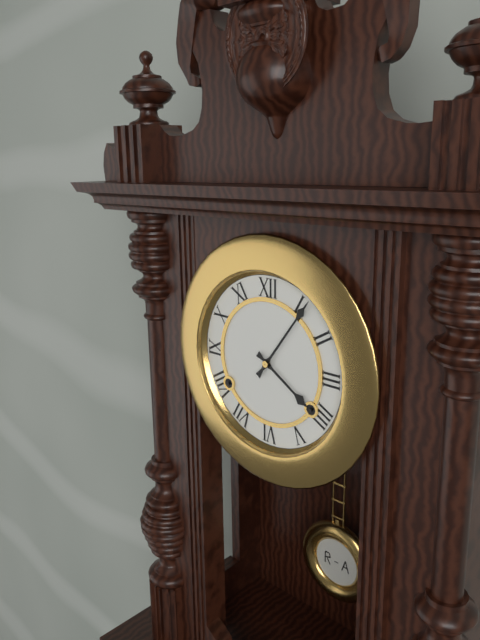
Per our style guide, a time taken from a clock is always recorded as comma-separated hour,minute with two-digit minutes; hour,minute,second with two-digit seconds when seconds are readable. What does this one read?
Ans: 4,06
